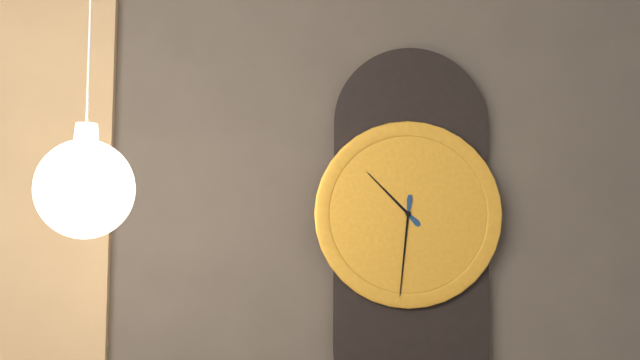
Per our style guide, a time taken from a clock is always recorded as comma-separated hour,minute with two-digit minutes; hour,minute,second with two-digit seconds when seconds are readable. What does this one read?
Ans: 10,31
